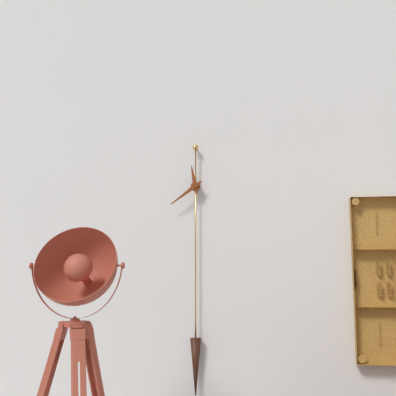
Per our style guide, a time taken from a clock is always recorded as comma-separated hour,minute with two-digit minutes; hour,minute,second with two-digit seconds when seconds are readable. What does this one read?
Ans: 11,39
